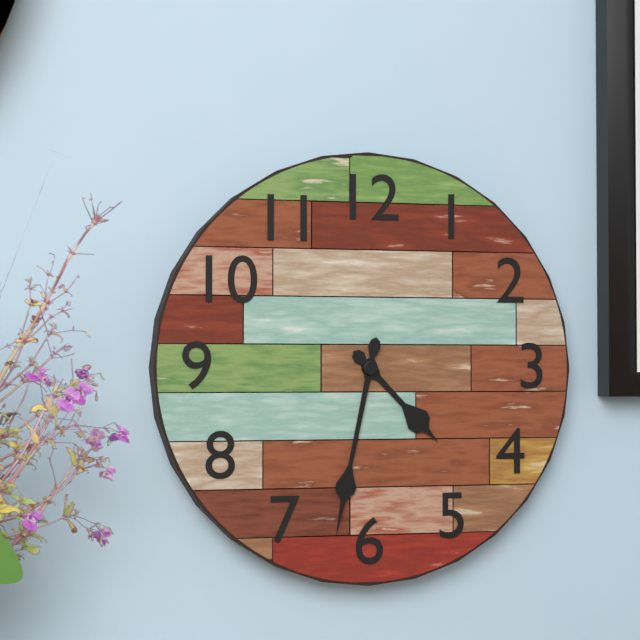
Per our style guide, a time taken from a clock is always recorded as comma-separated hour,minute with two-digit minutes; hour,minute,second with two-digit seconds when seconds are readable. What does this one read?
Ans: 4,32
